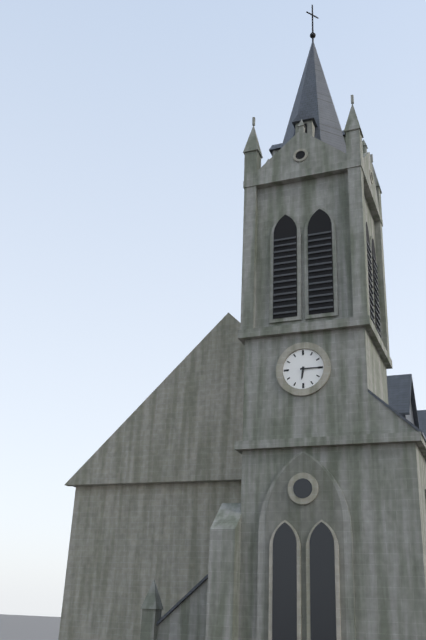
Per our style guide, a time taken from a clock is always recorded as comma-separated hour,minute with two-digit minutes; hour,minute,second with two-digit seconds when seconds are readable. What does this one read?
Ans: 6,15
